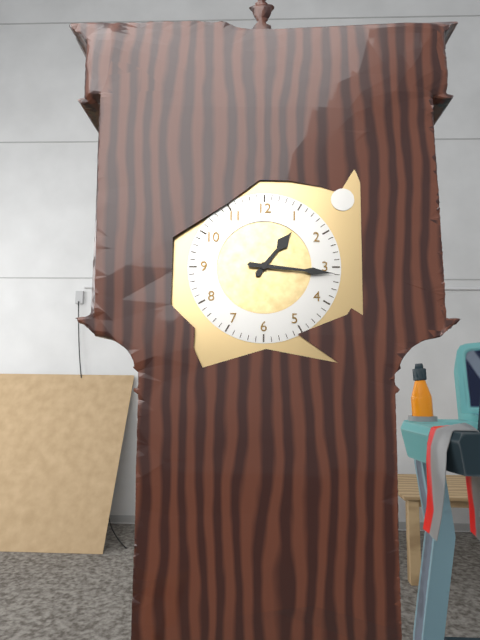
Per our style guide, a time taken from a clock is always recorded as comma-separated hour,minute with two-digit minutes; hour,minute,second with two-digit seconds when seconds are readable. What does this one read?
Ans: 1,16
